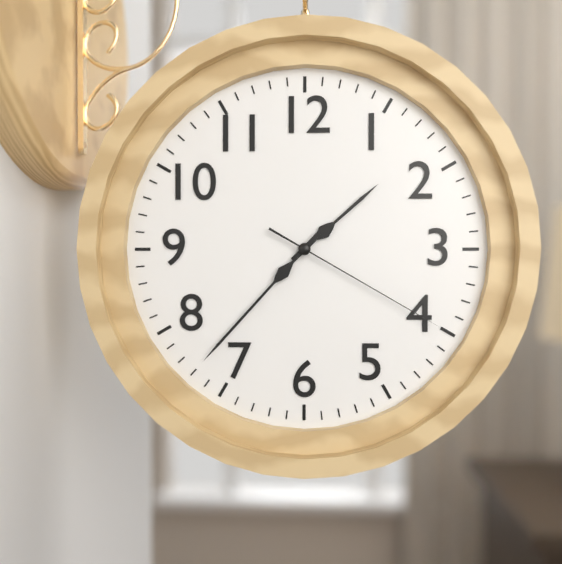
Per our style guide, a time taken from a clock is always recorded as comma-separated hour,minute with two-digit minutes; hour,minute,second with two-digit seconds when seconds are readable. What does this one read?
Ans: 1,37,20
